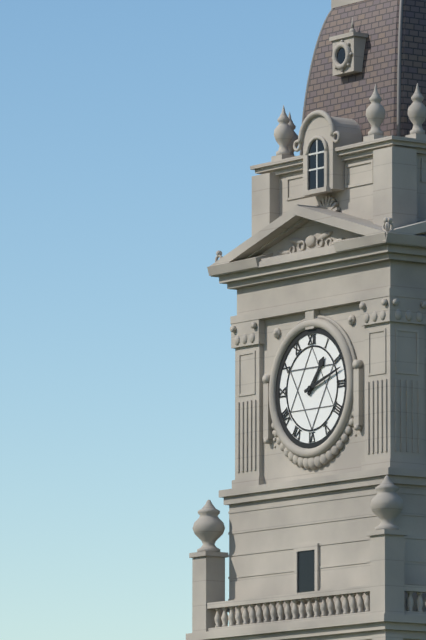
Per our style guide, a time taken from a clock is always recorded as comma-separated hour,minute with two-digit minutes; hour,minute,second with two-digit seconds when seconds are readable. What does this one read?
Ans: 1,12
